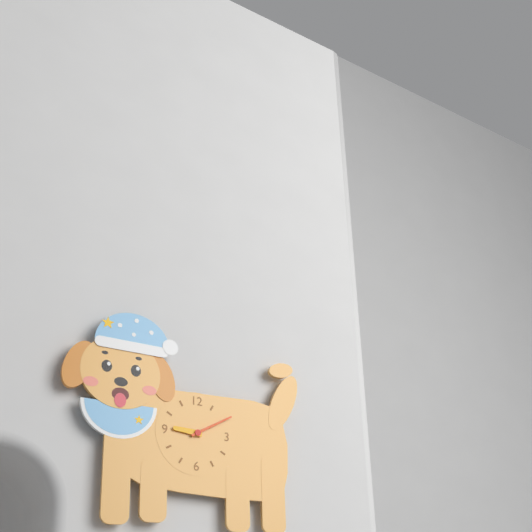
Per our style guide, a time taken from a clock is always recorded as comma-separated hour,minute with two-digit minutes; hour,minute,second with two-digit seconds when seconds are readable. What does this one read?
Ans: 9,10
